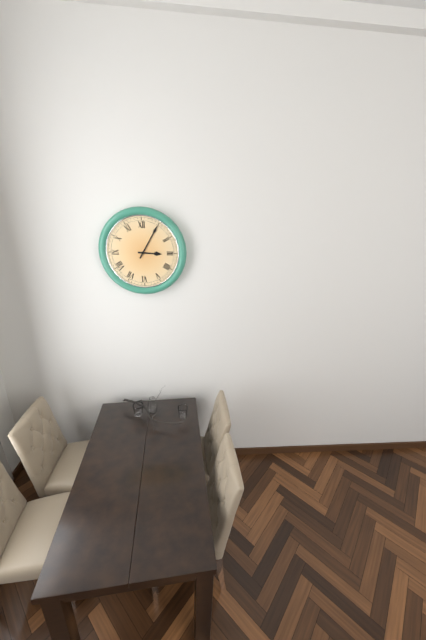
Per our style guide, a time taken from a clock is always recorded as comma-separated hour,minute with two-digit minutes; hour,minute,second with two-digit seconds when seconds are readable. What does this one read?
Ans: 3,05
